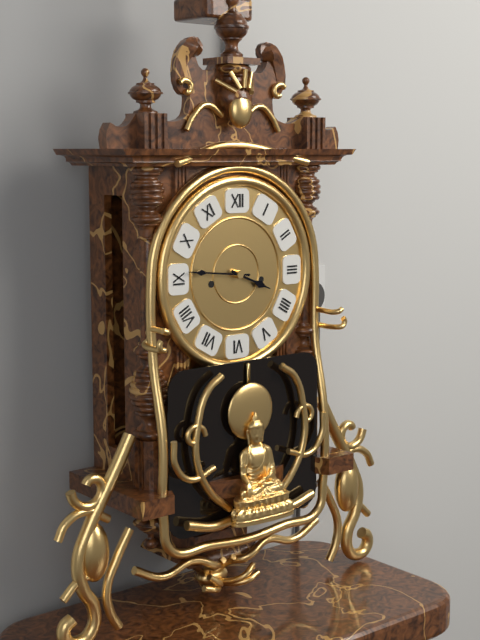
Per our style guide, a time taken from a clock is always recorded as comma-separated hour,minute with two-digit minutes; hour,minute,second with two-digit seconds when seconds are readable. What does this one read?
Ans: 3,46
